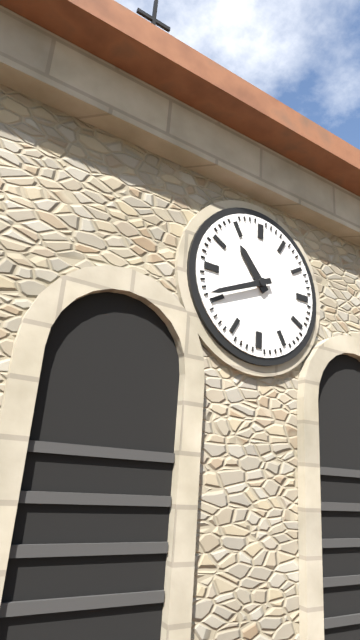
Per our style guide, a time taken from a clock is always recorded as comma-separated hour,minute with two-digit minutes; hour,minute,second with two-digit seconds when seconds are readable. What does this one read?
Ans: 10,41
